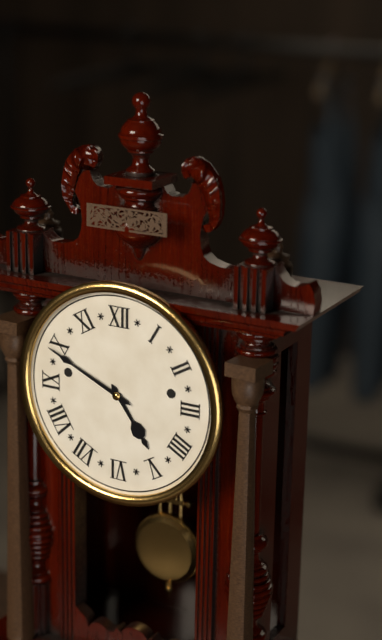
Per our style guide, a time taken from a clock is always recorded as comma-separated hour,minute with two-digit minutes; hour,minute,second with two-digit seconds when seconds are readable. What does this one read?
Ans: 4,49
